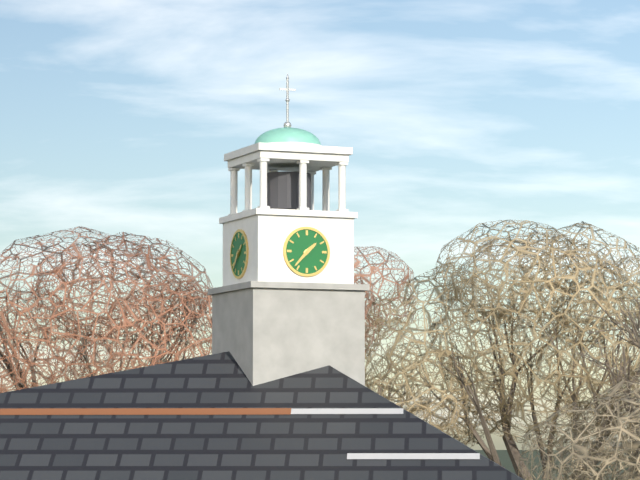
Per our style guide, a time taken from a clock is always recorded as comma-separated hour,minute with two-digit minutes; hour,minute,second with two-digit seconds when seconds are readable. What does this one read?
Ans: 1,37
